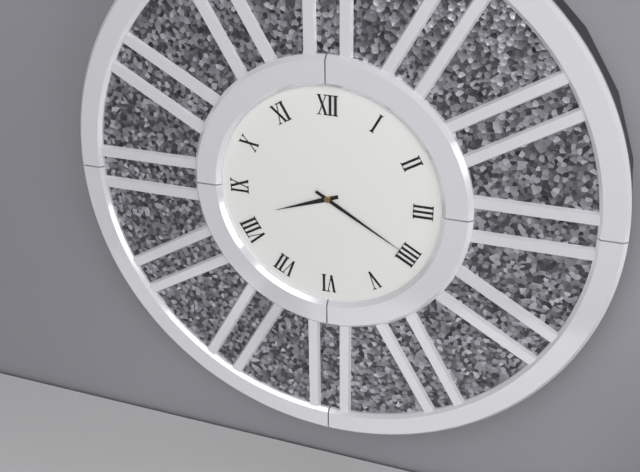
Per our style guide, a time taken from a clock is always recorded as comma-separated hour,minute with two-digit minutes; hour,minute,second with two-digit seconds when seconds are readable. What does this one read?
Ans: 8,20
